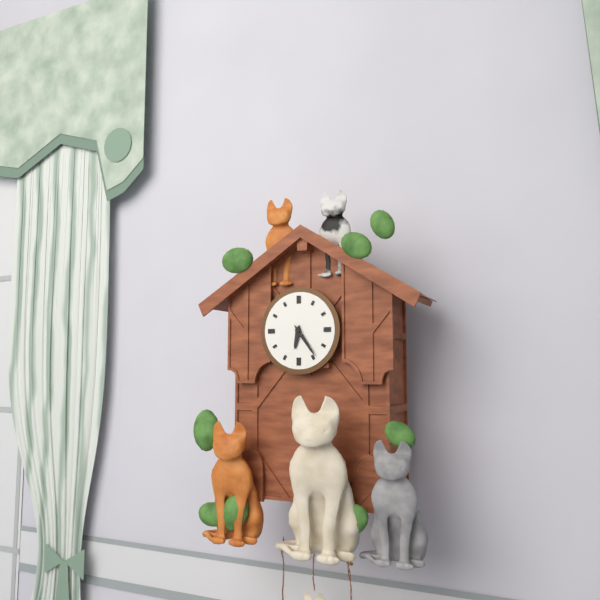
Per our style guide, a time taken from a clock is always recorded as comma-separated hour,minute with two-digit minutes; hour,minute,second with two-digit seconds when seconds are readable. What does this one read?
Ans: 6,24
